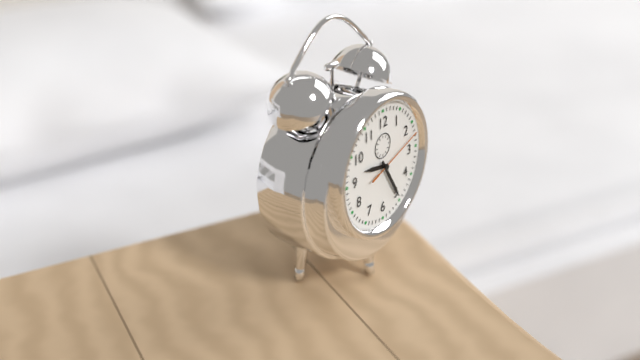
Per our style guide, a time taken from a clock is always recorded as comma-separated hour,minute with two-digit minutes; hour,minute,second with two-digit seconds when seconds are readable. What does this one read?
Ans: 9,25,12
